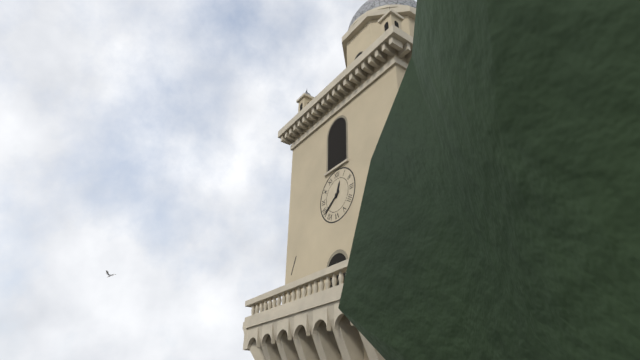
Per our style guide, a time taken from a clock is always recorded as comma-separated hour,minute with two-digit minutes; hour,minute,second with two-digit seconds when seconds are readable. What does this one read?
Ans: 12,39
